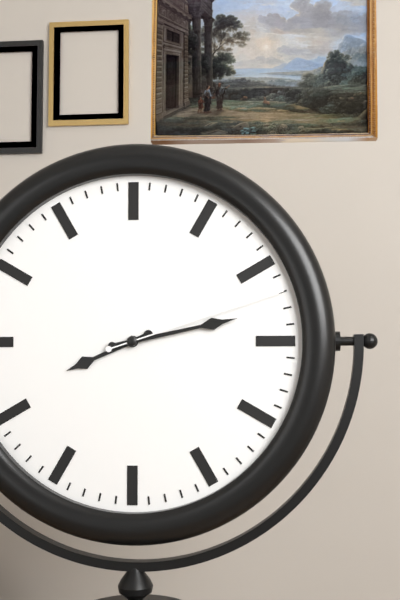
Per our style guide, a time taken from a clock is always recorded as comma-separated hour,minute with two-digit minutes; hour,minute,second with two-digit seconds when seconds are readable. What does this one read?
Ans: 8,13,12
